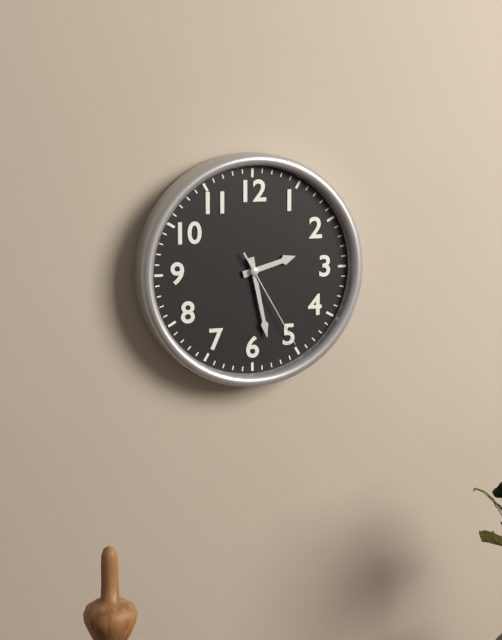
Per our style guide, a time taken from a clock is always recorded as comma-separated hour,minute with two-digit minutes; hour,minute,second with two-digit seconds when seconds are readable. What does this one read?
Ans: 2,28,25
